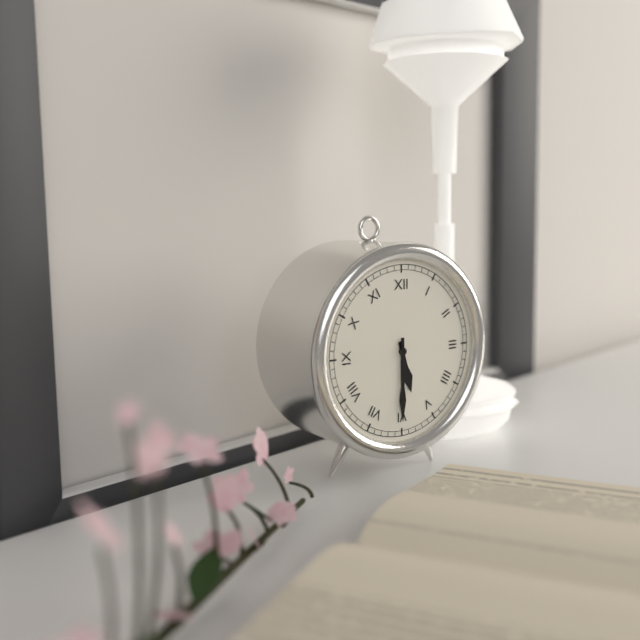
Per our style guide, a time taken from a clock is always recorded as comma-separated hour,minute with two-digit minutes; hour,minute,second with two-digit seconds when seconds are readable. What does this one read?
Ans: 5,30
